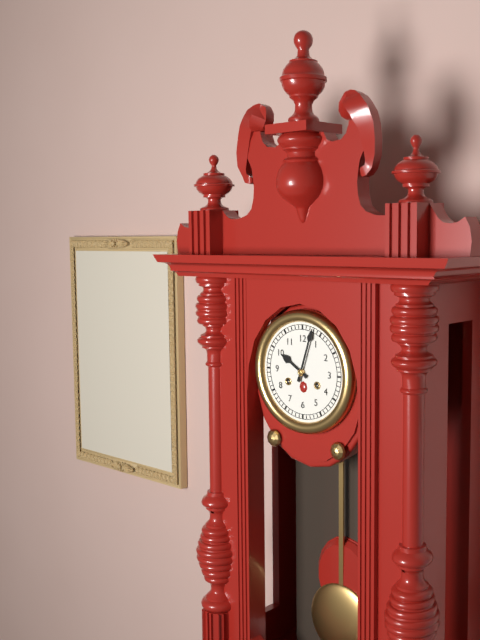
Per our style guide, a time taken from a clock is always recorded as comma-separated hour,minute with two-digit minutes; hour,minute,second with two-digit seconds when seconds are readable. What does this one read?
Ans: 10,03
